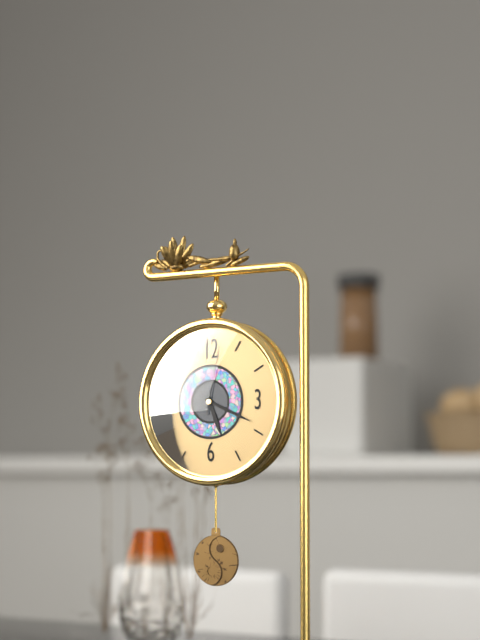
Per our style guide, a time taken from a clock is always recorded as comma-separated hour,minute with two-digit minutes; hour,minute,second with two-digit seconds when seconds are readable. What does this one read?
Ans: 5,19,02
